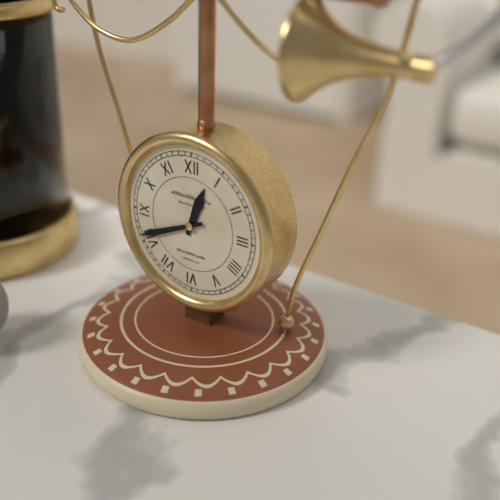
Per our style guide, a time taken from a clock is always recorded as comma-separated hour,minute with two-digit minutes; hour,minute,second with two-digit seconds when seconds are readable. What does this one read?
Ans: 12,41
